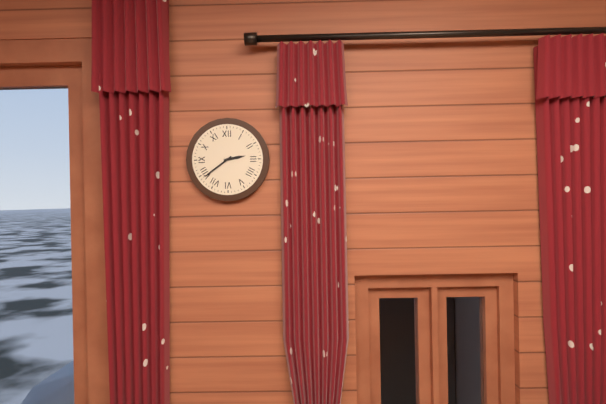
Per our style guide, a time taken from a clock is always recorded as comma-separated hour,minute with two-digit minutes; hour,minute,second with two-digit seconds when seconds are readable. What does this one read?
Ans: 2,39
